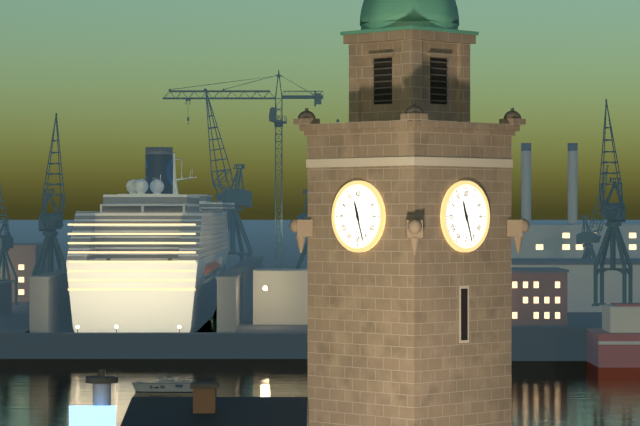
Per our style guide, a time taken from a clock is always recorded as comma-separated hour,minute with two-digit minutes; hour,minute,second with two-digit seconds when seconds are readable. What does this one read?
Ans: 11,27
